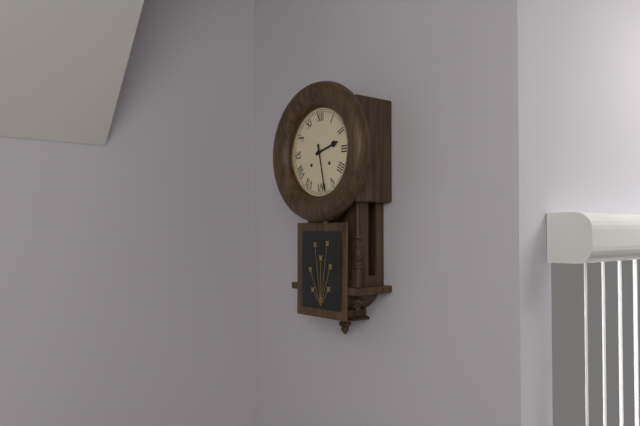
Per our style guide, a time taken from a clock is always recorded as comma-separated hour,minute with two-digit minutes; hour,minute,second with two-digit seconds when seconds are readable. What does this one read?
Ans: 2,28
